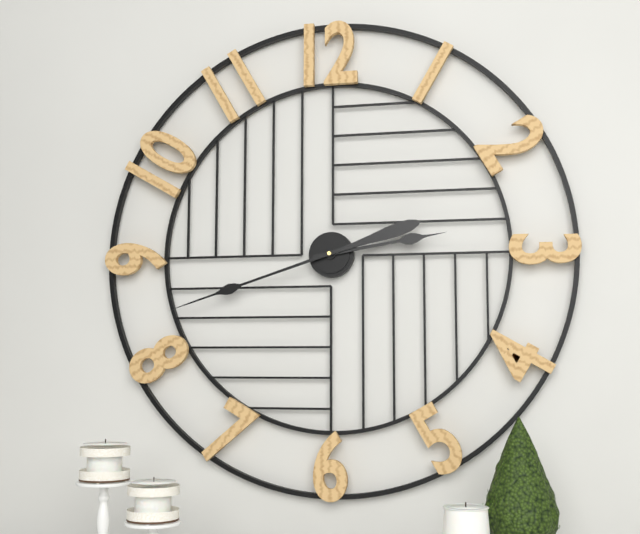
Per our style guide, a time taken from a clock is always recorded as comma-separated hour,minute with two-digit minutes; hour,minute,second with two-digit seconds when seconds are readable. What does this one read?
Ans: 2,42
